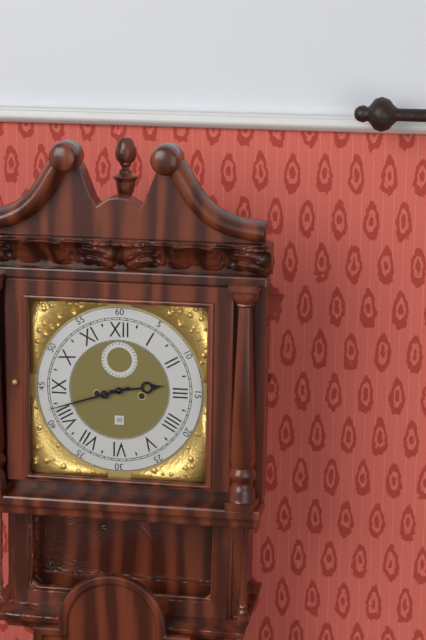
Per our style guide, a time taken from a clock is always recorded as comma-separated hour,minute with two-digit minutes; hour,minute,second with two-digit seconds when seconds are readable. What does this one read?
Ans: 2,42
